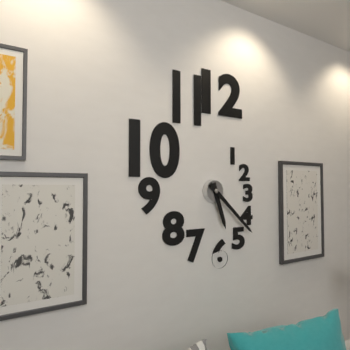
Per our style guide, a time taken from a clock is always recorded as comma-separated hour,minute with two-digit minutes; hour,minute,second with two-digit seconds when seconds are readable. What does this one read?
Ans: 5,22
